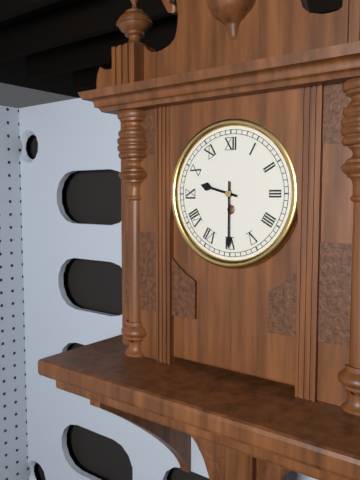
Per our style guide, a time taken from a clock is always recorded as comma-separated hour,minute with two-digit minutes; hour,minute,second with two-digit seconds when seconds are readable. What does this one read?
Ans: 9,30
